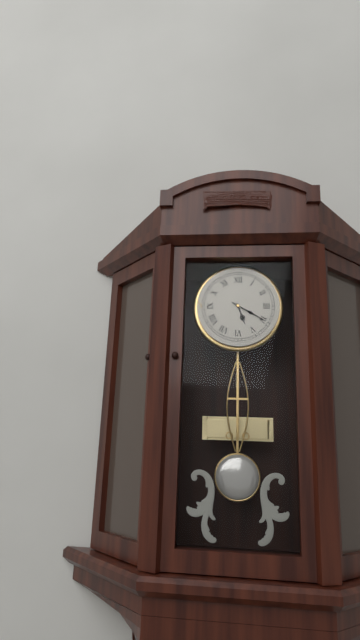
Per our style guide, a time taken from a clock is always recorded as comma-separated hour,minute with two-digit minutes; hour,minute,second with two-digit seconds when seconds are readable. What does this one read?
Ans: 5,20
